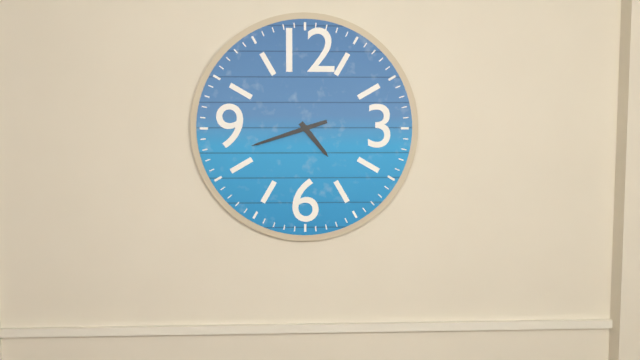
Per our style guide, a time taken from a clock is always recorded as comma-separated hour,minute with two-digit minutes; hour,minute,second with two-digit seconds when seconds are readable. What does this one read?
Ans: 4,42
